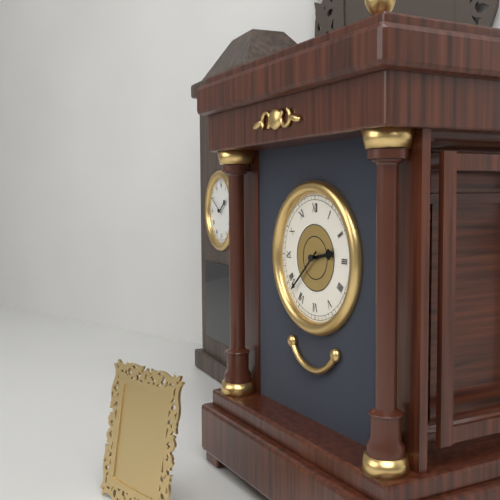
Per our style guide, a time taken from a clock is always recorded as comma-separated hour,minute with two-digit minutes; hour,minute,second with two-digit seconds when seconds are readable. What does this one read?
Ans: 2,38
